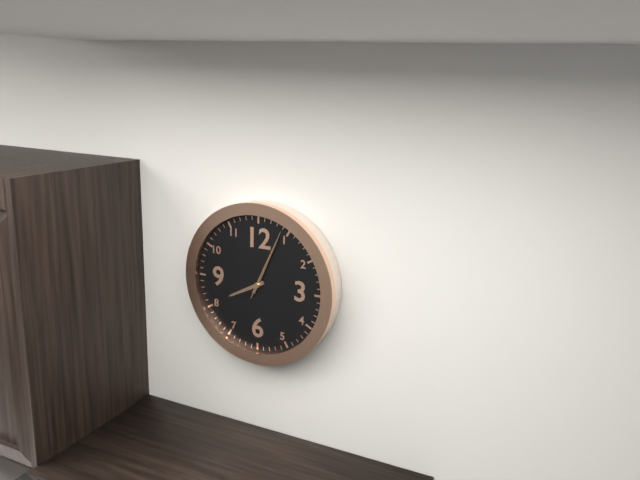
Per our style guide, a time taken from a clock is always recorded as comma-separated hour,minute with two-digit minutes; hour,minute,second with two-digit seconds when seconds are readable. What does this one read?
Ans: 8,04,04
